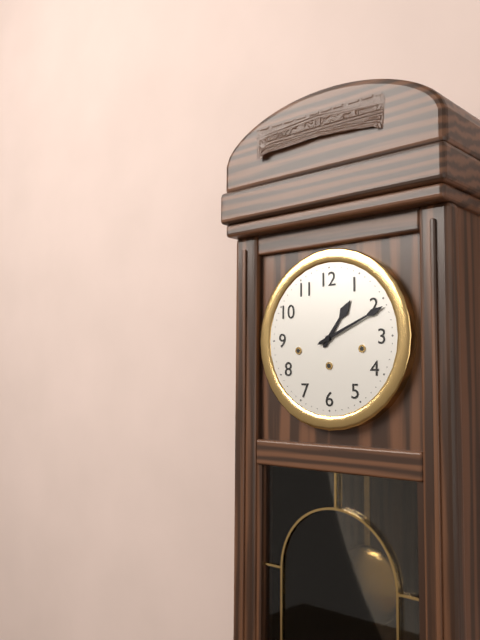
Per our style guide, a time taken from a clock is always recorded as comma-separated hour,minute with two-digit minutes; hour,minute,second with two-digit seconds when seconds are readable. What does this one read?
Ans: 1,11
